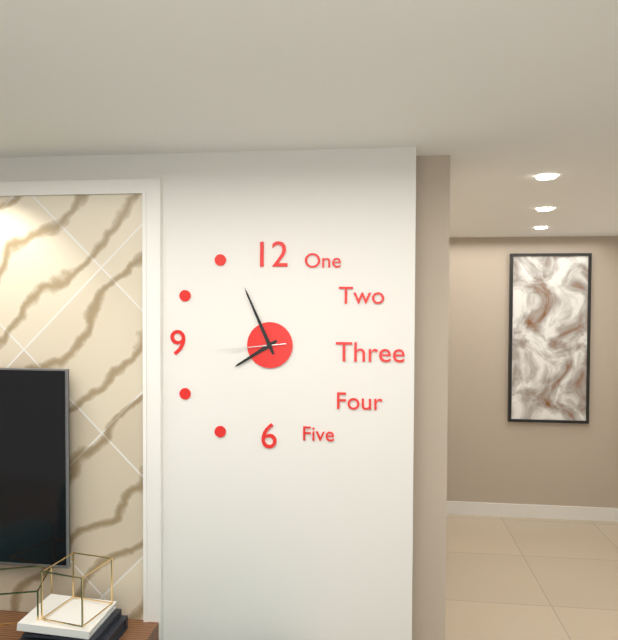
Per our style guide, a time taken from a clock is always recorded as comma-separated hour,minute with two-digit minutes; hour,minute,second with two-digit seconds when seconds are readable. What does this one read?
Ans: 7,56,44
